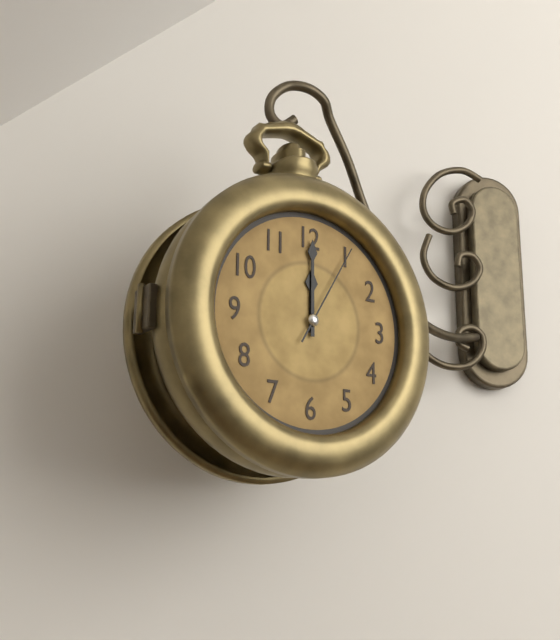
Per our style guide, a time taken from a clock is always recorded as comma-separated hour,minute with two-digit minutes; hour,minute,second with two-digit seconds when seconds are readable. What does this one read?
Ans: 12,00,05
